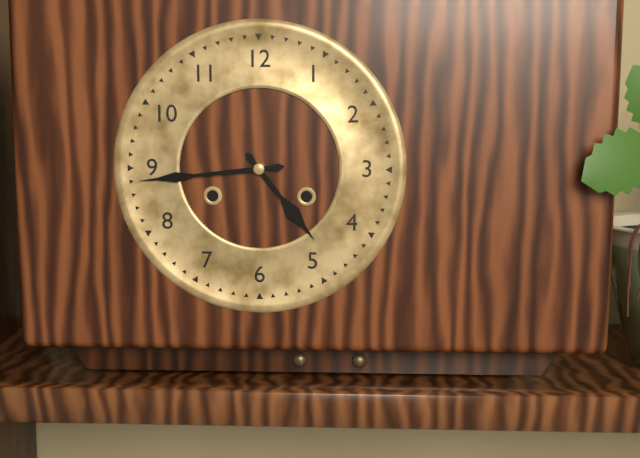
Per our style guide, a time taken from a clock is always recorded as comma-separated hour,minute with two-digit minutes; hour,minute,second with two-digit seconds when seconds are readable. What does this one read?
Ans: 4,44
